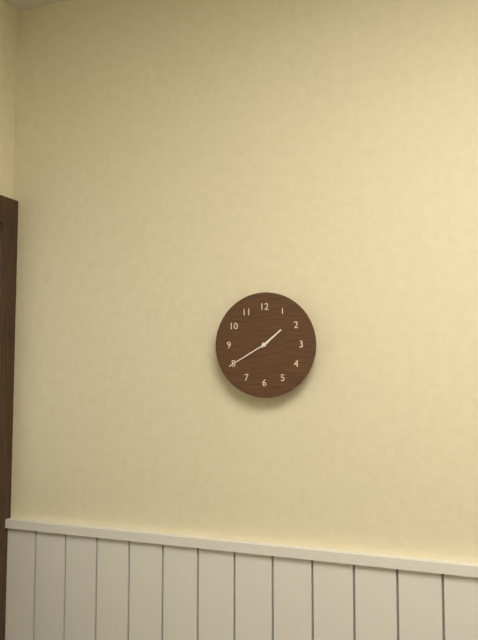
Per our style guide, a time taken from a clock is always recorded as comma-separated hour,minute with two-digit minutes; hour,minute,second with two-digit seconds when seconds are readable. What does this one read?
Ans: 1,40
